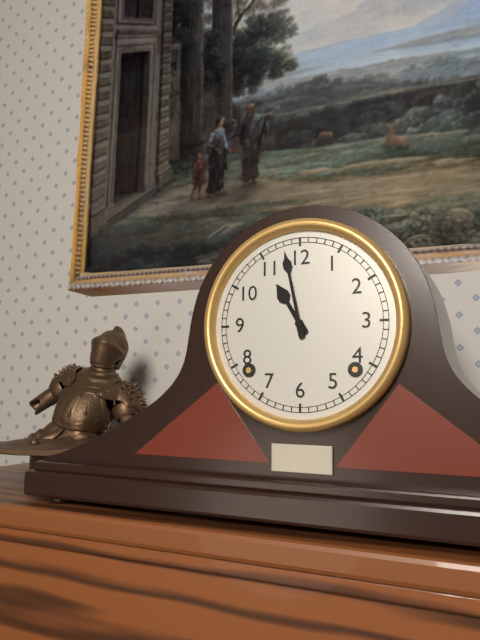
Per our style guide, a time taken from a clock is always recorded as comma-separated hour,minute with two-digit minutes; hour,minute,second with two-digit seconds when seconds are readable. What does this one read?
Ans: 10,58
